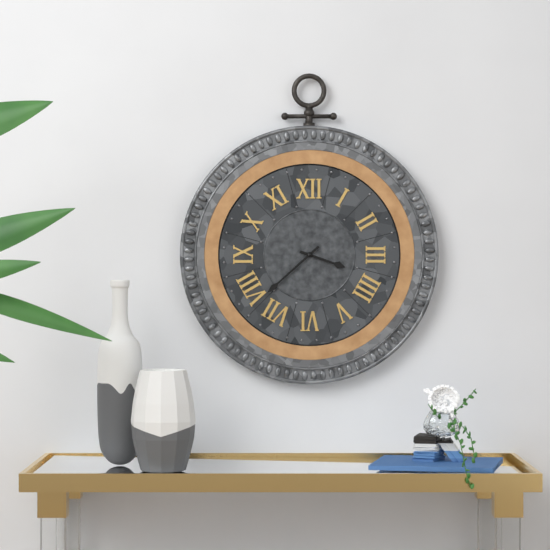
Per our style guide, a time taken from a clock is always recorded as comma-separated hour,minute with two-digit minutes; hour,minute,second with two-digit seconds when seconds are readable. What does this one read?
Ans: 3,38
